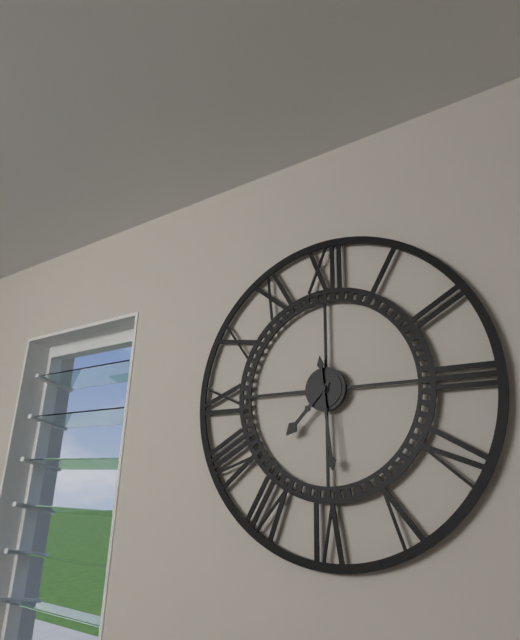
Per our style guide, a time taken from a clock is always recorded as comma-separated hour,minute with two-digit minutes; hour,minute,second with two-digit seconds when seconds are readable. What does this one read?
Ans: 7,29
